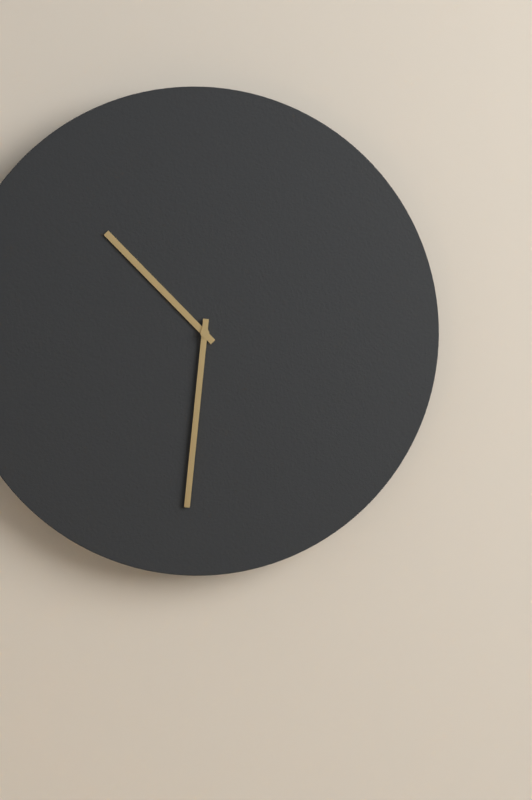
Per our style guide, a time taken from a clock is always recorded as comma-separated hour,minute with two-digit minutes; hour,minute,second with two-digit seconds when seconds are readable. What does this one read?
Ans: 10,31
